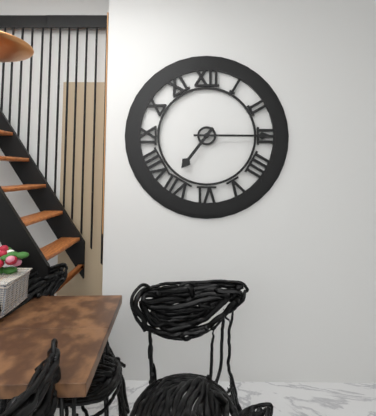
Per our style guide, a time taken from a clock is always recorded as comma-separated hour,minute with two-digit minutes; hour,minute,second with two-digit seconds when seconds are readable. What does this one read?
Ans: 7,15
